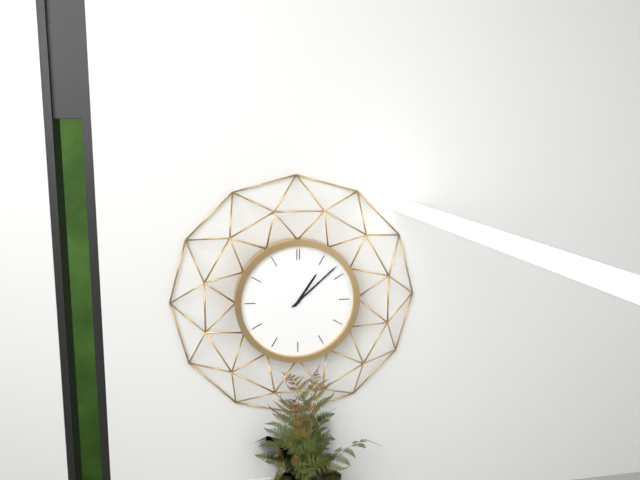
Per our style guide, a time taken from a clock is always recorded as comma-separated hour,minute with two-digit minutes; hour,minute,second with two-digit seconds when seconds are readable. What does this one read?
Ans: 1,08
